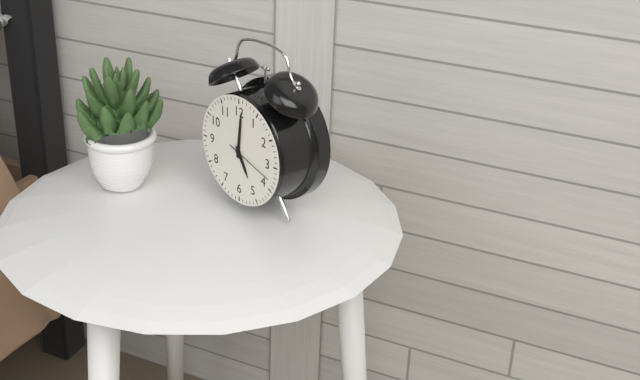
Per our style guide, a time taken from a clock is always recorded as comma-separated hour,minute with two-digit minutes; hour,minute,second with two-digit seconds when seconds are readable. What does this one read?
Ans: 5,01,18
